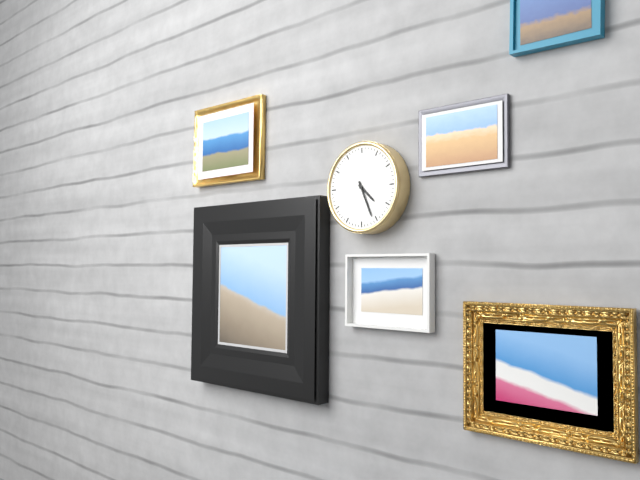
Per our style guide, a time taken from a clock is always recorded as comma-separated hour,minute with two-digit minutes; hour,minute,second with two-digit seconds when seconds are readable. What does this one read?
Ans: 4,26
